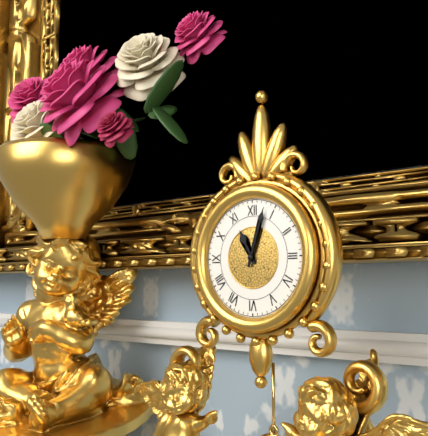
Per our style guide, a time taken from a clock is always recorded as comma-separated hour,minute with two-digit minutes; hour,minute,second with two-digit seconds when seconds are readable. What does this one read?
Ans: 11,03
